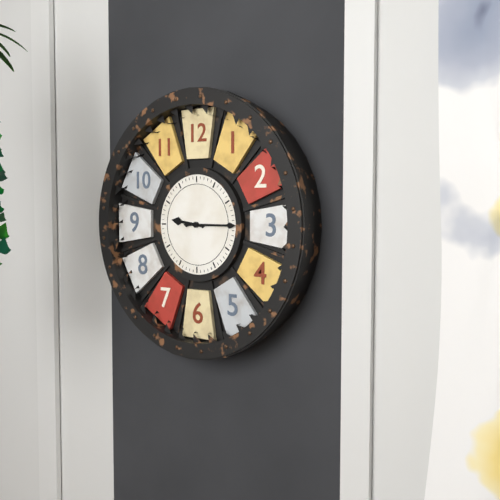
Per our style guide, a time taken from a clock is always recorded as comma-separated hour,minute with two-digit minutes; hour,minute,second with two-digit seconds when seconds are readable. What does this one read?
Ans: 9,15
